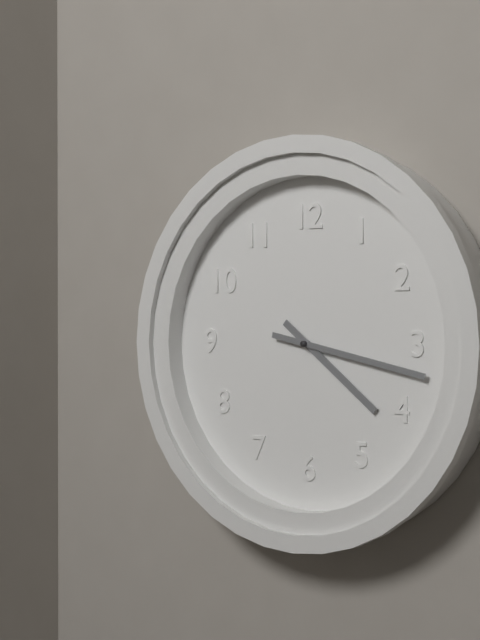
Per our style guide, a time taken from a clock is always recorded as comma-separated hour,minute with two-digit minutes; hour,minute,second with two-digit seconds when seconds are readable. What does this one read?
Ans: 4,17
